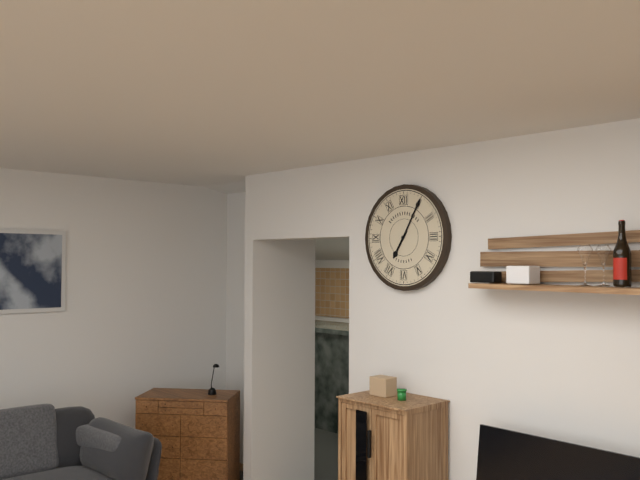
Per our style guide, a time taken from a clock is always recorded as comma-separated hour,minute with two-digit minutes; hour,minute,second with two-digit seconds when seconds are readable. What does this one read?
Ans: 7,05
